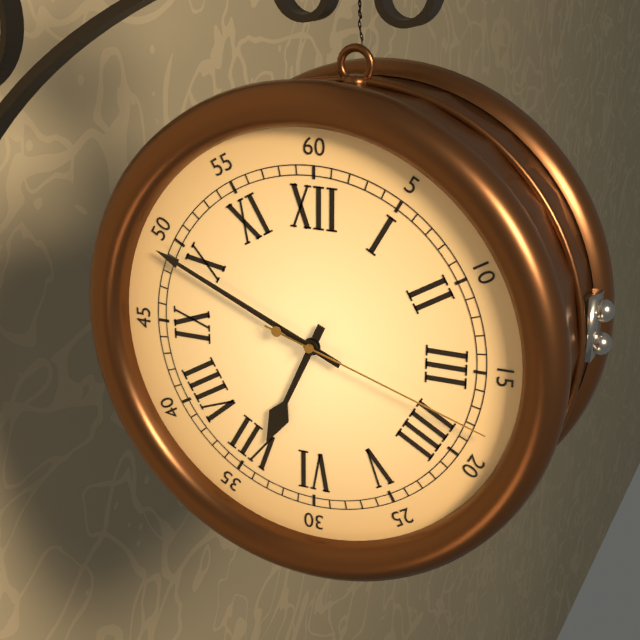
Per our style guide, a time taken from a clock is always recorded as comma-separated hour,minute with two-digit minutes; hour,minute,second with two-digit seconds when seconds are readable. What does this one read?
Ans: 6,49,18
